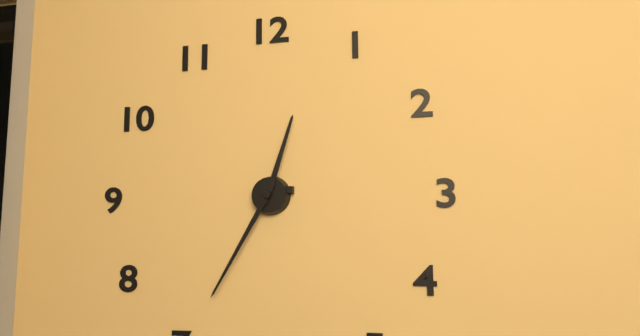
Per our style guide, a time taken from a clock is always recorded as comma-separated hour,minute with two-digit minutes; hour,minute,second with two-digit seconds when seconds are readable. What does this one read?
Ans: 12,35
